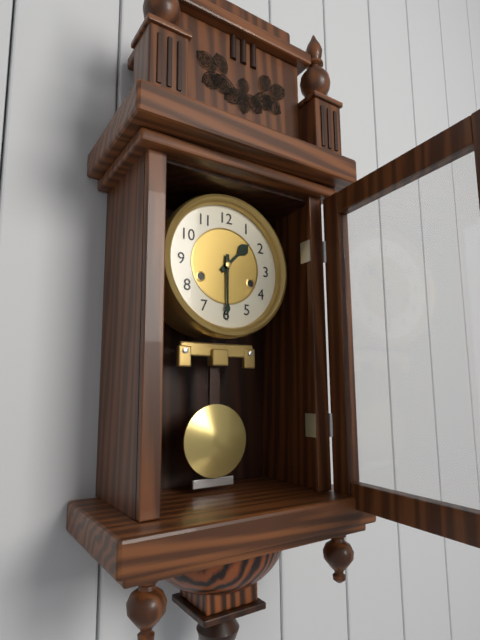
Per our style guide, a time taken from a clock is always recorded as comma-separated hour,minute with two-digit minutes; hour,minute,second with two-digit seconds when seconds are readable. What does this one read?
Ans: 1,30
